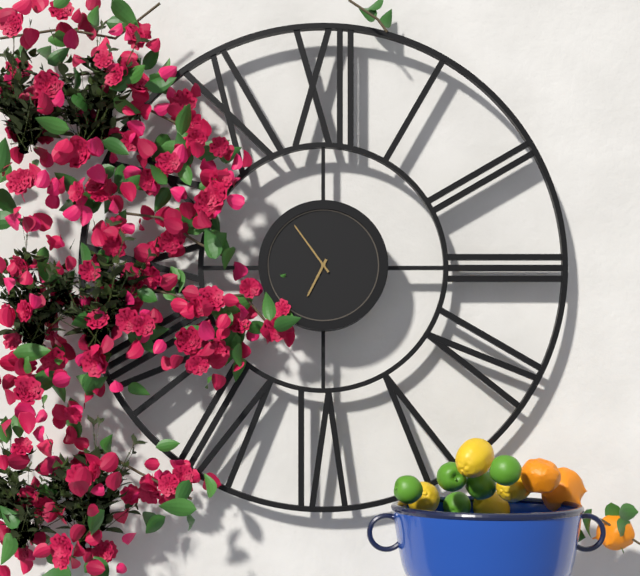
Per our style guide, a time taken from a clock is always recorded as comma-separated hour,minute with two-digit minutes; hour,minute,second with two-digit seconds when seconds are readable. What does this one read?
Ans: 6,54
